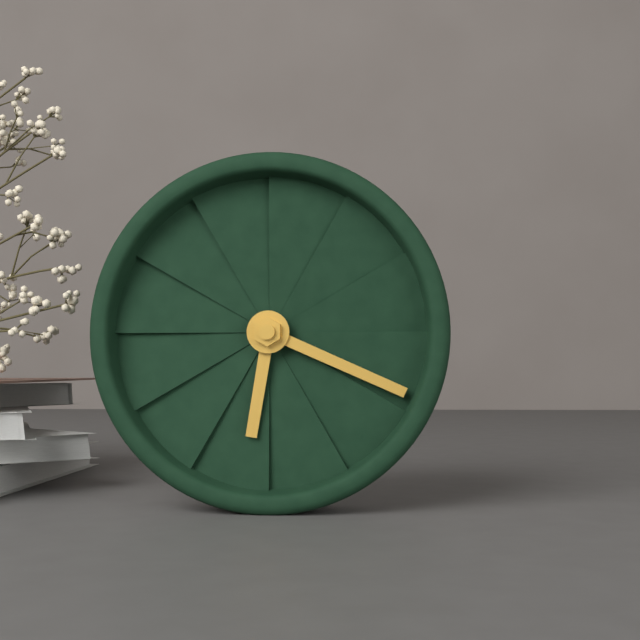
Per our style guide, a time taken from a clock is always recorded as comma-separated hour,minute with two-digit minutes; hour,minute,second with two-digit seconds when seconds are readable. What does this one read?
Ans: 6,19
